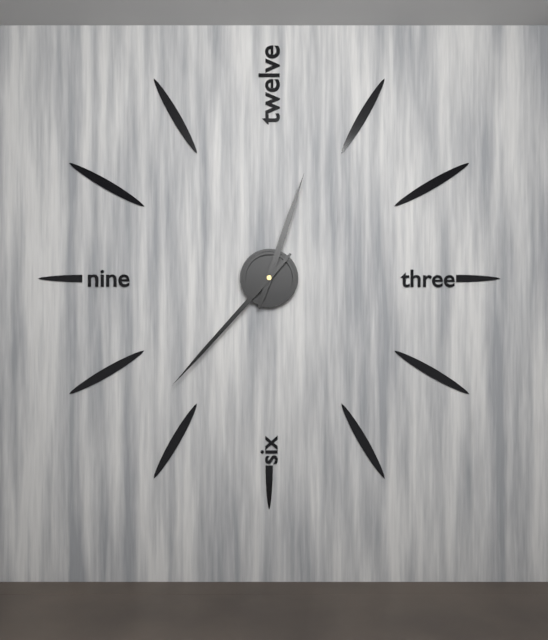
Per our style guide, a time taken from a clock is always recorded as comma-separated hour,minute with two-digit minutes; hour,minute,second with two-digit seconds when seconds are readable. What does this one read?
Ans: 12,37
